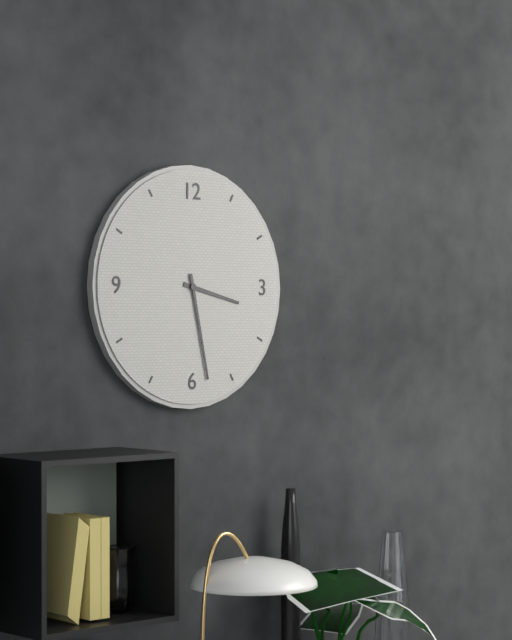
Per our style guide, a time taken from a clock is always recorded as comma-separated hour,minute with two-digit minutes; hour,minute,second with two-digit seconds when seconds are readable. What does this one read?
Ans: 3,28
